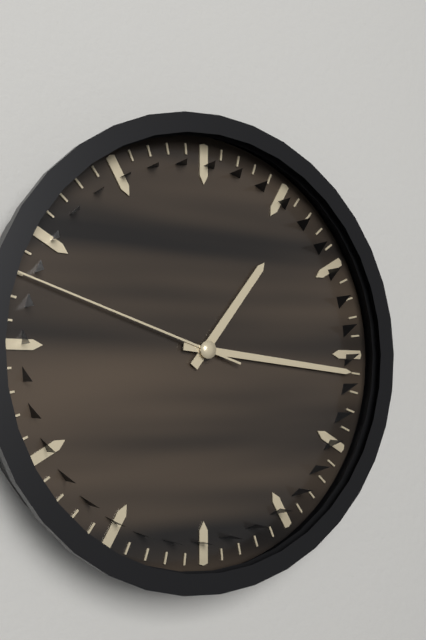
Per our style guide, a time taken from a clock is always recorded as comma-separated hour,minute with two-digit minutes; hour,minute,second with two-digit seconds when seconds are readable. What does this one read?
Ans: 1,16,48
